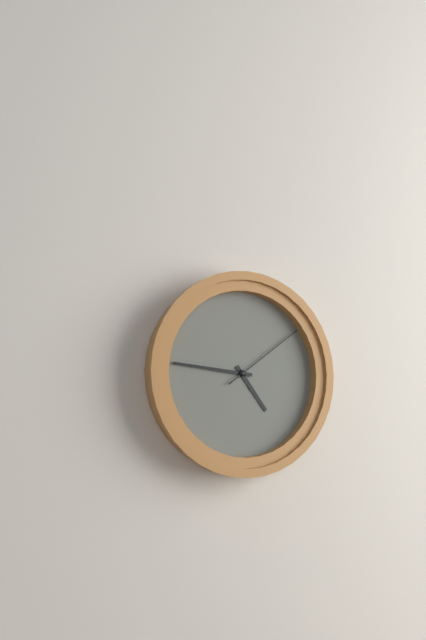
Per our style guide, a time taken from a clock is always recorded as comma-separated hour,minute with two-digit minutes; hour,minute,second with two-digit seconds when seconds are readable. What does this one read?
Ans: 4,46,09
